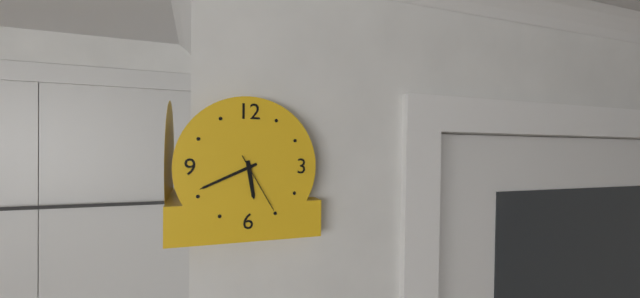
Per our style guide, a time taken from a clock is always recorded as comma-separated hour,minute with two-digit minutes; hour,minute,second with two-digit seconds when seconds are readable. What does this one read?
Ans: 5,41,25
